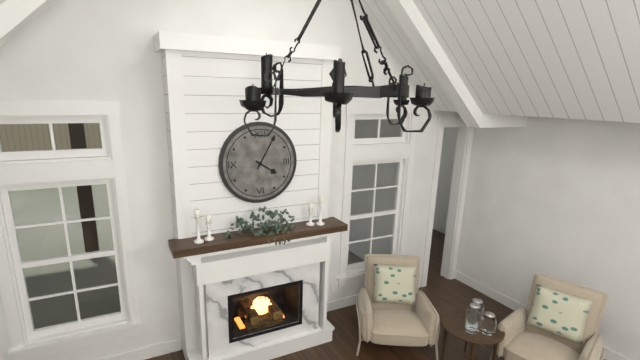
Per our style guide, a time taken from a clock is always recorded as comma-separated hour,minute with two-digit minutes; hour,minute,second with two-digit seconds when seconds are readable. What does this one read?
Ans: 4,05
